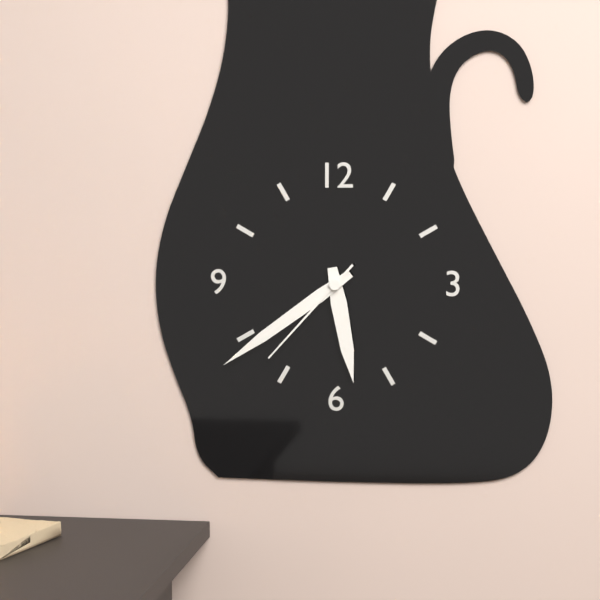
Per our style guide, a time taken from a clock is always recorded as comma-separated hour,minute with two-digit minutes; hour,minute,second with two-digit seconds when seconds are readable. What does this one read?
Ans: 5,39,37
